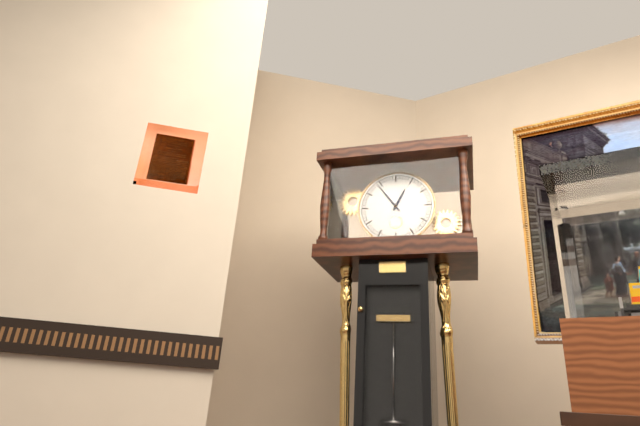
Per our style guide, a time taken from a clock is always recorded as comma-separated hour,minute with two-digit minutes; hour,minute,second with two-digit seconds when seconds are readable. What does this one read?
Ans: 12,54
